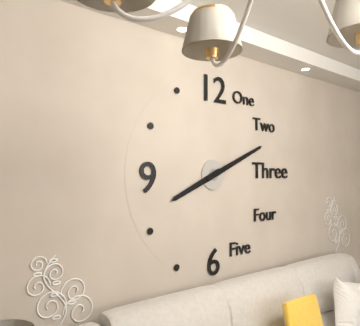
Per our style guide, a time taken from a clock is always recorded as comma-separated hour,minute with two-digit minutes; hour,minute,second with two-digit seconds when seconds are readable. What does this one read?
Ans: 8,11
